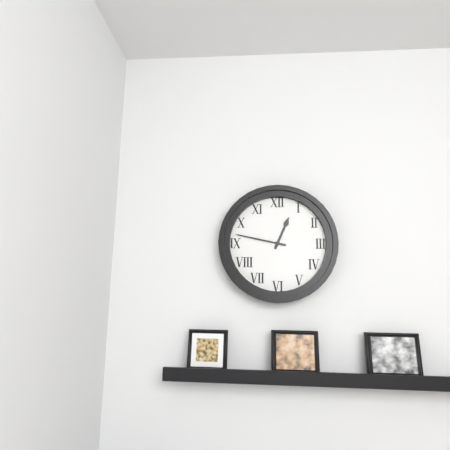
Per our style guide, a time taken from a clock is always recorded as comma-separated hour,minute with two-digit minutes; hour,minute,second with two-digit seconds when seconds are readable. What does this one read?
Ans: 12,47
